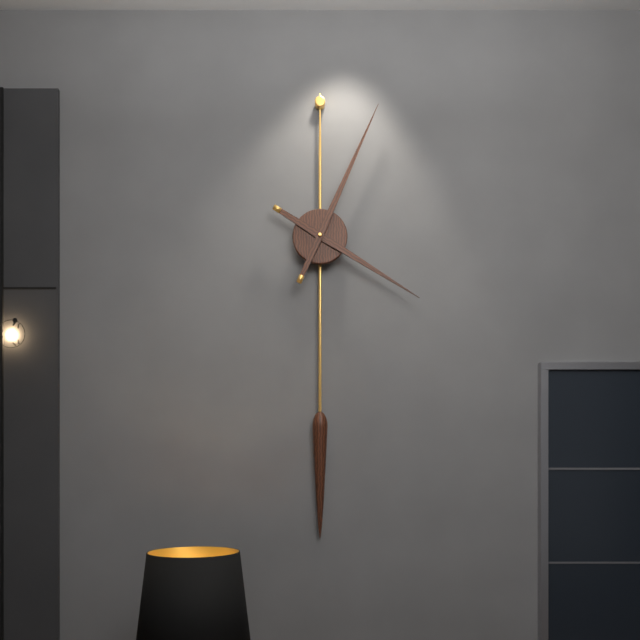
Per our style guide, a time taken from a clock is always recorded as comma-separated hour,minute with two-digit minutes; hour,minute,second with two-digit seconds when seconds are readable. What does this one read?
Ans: 4,04
